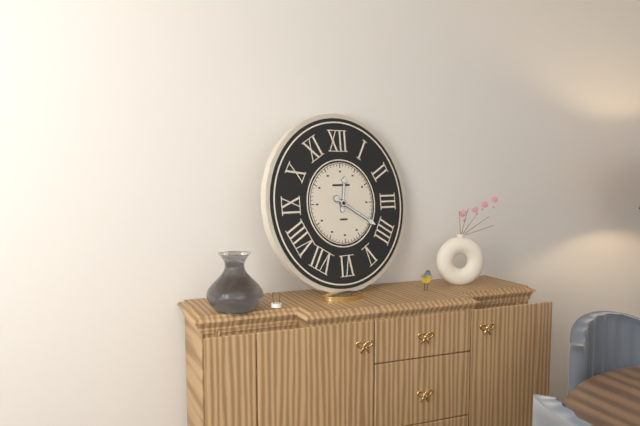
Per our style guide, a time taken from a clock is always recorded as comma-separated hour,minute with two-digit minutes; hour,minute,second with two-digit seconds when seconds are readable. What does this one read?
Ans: 12,20
